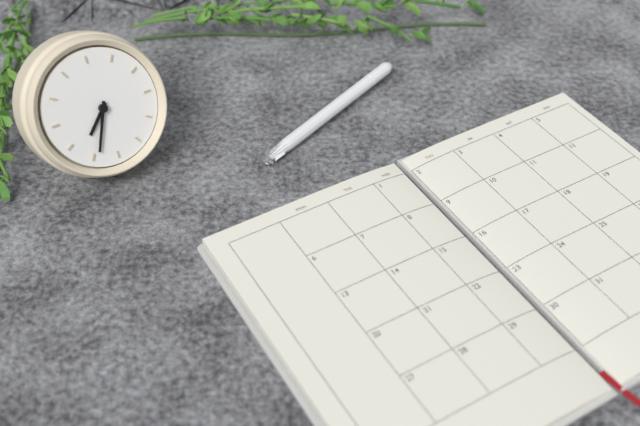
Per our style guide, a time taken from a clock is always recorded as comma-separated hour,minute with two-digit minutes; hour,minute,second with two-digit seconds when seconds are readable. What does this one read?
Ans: 6,29
